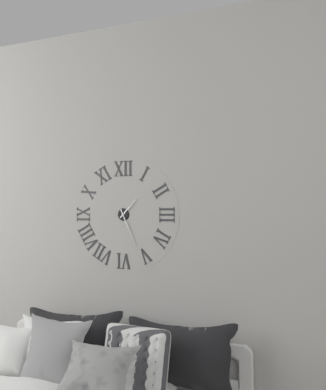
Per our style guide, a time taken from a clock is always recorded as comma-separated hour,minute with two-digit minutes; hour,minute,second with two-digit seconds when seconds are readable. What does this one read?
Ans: 1,26
